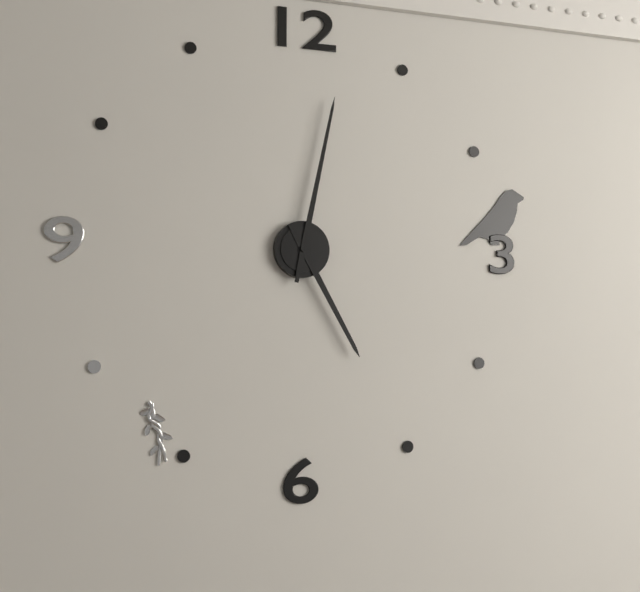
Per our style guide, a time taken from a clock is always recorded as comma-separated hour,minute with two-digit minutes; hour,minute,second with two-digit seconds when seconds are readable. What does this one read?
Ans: 5,02
